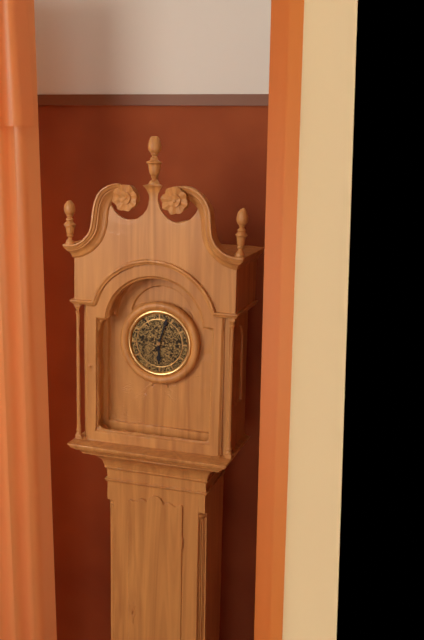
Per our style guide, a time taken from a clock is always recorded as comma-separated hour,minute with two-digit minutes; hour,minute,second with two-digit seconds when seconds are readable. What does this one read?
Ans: 6,03
